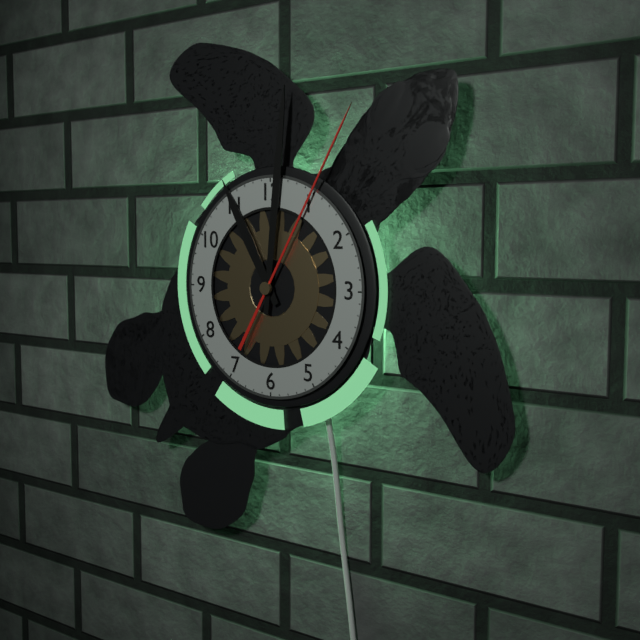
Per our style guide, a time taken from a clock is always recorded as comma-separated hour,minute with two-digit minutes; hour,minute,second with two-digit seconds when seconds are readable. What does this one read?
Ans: 11,01,05
